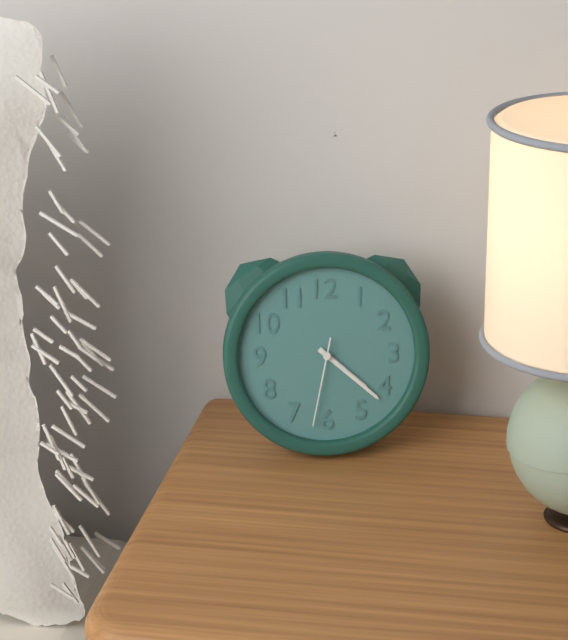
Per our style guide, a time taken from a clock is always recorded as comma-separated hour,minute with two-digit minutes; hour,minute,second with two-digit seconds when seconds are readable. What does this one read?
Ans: 4,22,32
